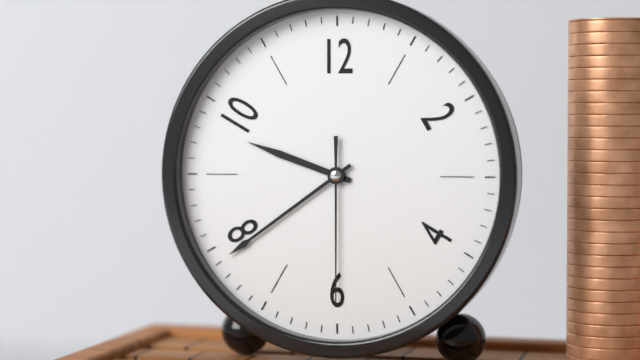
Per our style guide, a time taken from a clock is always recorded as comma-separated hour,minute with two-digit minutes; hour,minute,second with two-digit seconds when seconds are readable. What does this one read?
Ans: 9,39,30
